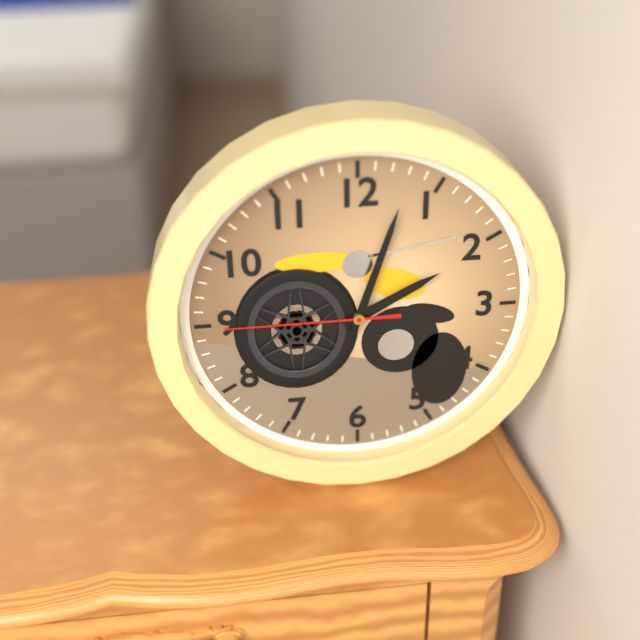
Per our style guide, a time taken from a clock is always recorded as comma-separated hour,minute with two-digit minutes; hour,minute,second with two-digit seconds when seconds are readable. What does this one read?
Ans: 2,03,45
